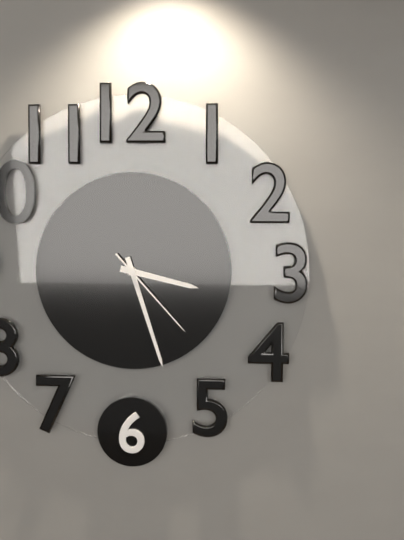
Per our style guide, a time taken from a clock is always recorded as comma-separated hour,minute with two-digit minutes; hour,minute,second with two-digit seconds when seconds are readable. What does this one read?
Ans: 3,27,23
